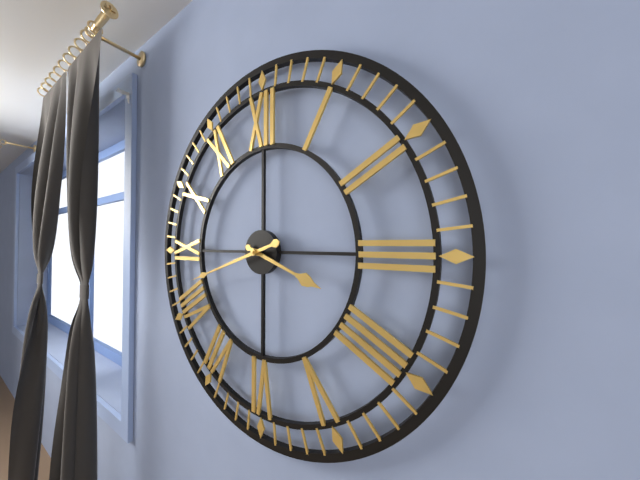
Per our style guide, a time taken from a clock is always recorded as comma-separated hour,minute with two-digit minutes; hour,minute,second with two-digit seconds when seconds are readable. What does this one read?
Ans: 3,42
